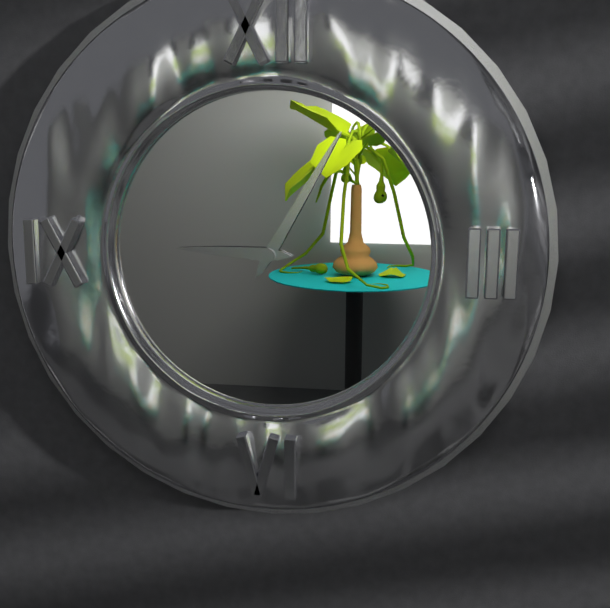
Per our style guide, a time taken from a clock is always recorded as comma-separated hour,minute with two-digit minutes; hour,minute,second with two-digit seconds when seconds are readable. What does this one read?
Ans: 9,05
